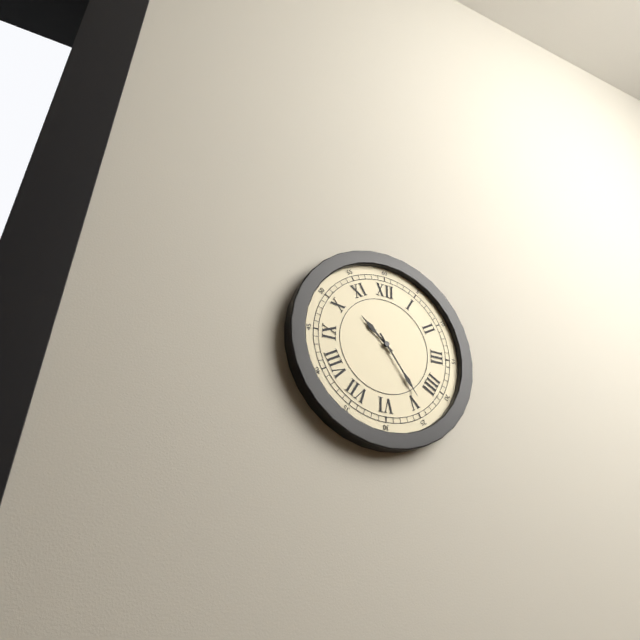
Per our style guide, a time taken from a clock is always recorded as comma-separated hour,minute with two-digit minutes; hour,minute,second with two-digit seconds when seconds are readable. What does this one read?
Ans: 10,24
